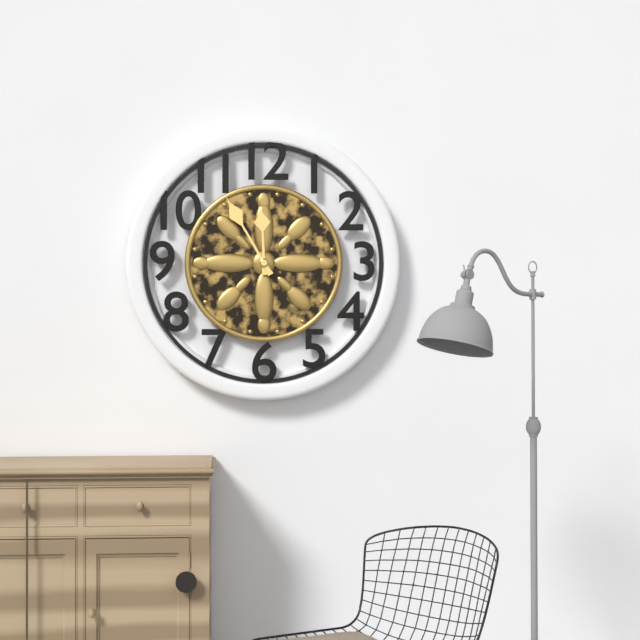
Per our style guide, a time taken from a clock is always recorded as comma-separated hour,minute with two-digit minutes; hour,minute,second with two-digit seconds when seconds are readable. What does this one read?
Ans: 11,55
